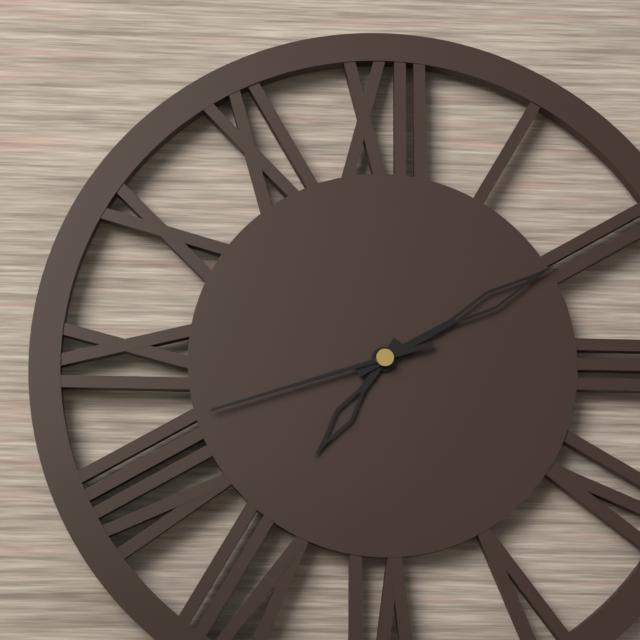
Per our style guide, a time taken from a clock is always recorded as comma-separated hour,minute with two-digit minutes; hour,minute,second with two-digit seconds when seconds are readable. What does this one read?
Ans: 7,10,42
